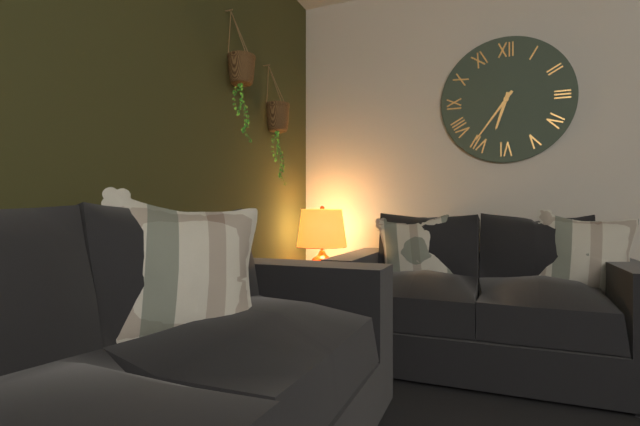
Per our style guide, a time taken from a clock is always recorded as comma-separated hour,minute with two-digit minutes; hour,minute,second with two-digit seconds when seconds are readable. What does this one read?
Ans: 6,36
